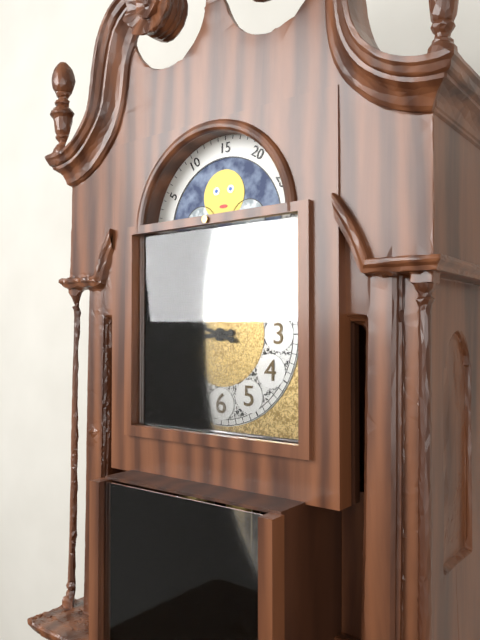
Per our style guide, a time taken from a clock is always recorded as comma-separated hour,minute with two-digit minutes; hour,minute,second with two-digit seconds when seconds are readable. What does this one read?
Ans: 8,48
